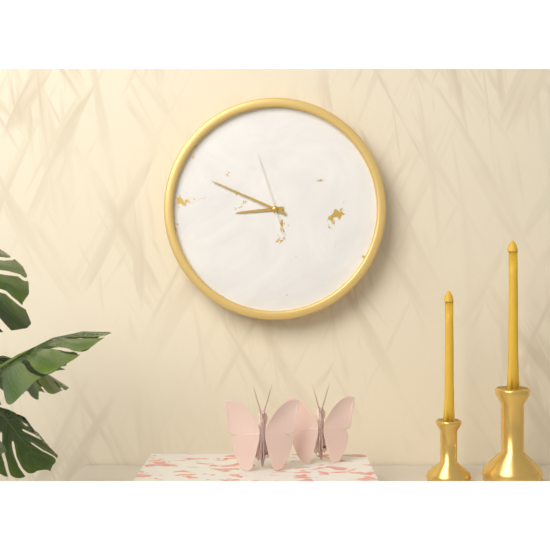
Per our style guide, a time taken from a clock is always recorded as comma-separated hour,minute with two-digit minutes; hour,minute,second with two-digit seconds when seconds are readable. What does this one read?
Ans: 8,49,57
